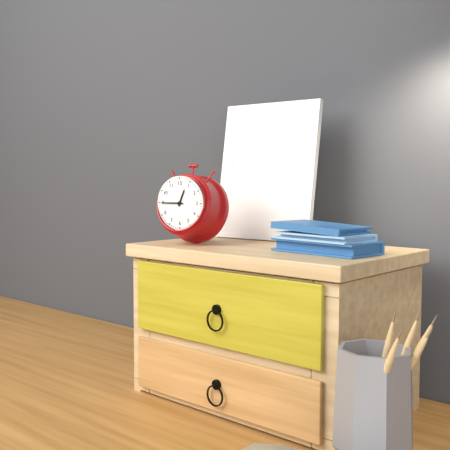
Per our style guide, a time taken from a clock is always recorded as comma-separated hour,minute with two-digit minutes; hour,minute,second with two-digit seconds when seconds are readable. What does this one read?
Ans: 12,45
